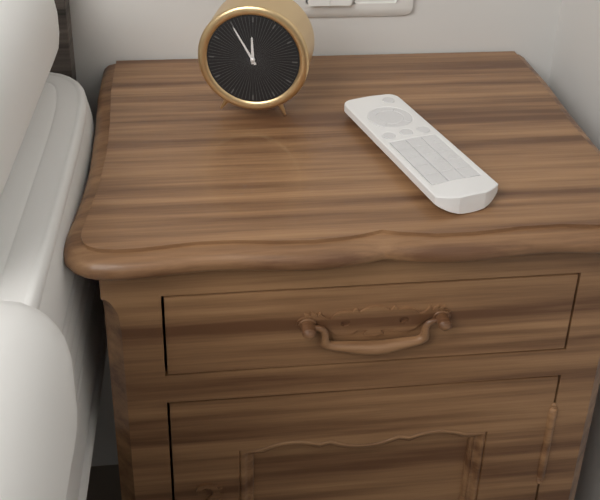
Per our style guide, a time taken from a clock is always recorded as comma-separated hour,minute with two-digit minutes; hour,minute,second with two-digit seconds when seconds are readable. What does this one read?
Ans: 11,55
